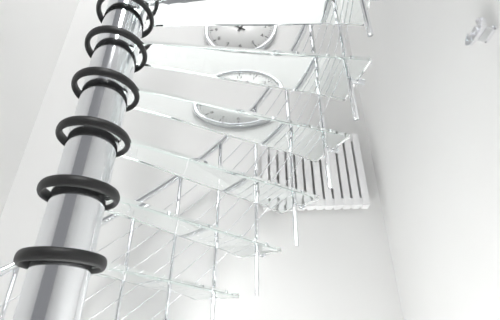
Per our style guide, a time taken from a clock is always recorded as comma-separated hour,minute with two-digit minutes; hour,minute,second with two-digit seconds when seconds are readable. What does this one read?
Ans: 12,51
